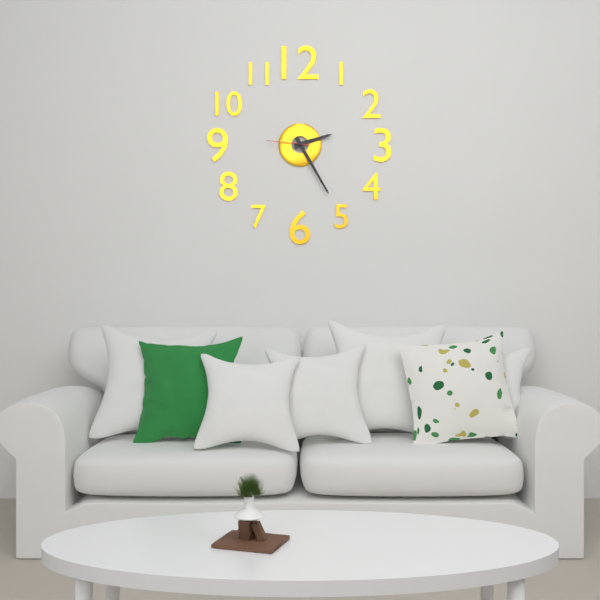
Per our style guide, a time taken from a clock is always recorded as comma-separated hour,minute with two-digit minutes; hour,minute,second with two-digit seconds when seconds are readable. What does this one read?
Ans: 2,25
